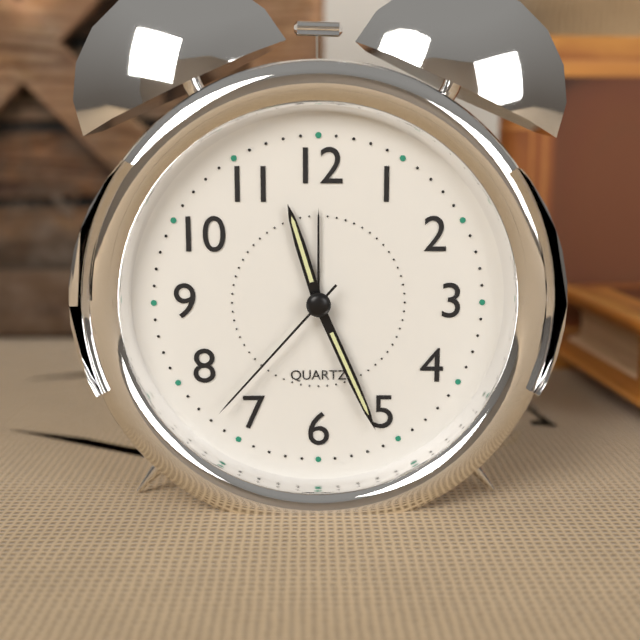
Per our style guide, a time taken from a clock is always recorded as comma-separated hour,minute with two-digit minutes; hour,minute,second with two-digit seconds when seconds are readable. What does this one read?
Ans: 11,26,37
